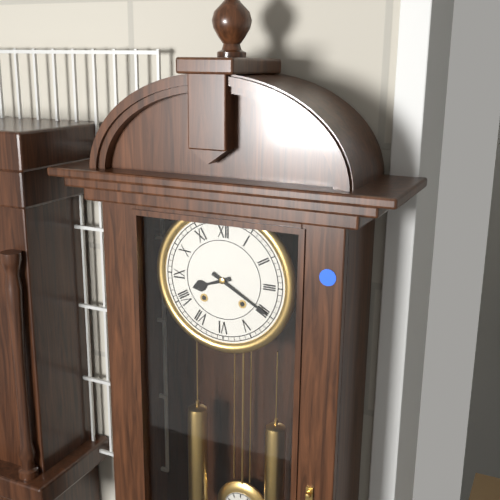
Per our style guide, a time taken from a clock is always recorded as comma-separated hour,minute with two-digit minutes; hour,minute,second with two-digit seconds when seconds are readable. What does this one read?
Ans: 8,20
